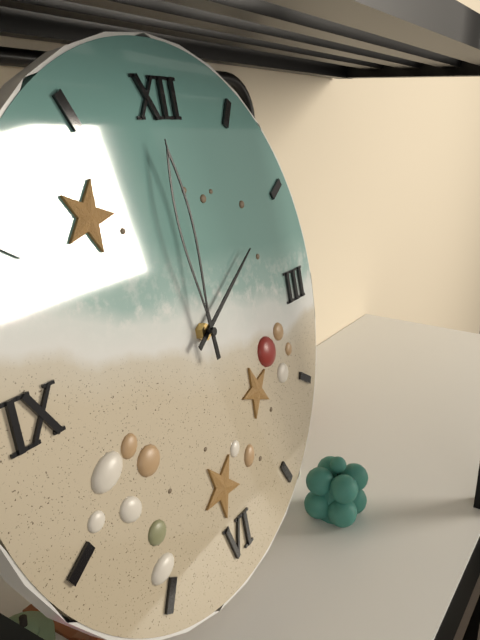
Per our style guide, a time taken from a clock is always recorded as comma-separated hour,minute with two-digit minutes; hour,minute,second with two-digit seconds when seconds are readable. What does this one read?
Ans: 1,59
